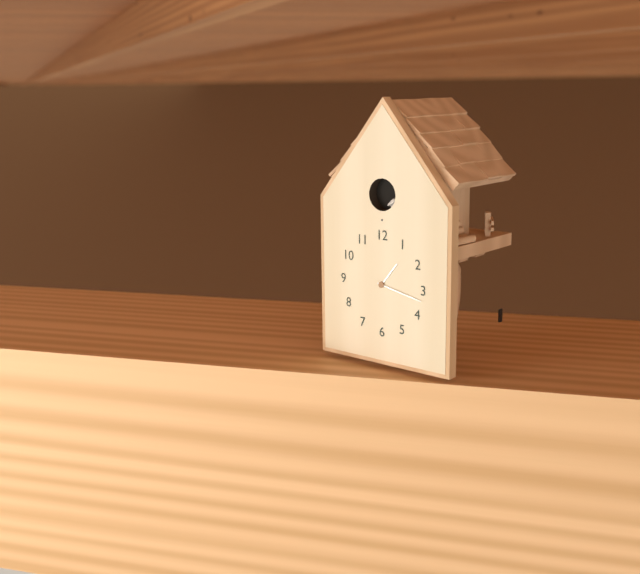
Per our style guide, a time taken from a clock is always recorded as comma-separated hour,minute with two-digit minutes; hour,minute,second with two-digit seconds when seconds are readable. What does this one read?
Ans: 1,17
